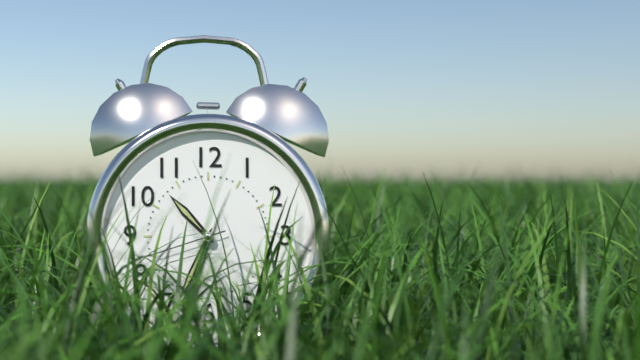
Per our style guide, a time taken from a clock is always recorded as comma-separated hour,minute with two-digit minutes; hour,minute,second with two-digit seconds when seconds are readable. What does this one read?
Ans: 10,34
